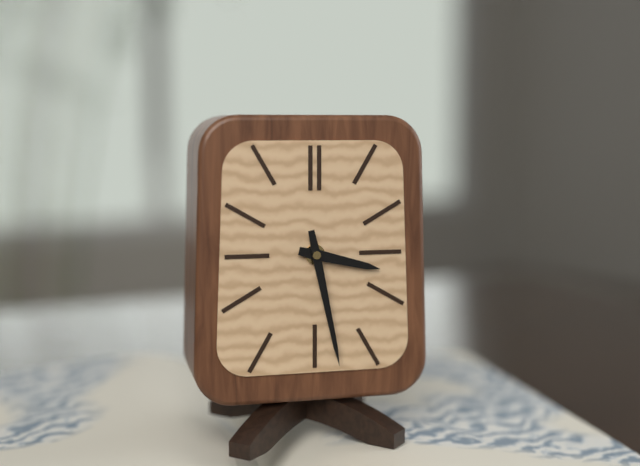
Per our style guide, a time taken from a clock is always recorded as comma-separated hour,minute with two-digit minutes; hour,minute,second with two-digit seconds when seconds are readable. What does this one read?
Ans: 3,28
